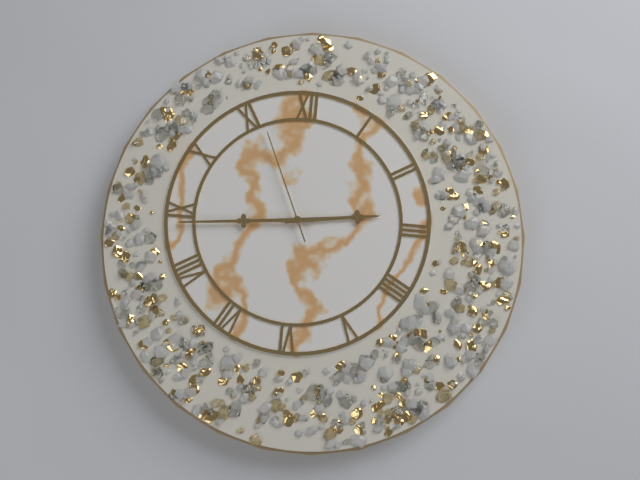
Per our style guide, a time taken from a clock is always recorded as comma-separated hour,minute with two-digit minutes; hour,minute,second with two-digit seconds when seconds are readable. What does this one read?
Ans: 2,44,56
